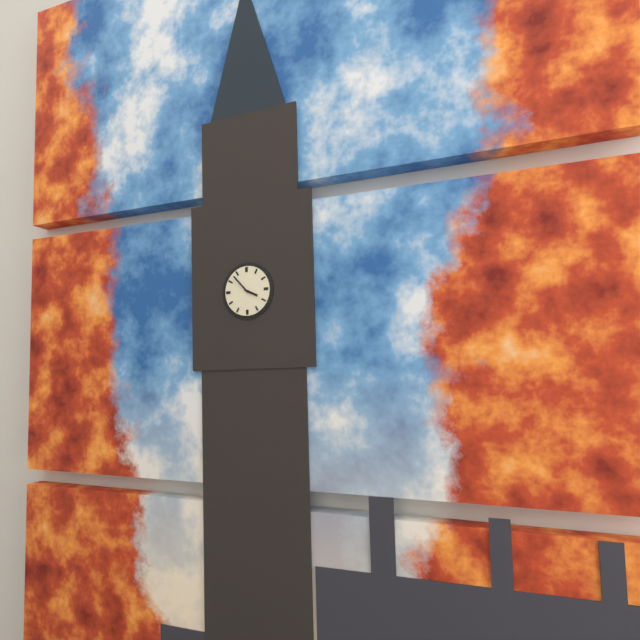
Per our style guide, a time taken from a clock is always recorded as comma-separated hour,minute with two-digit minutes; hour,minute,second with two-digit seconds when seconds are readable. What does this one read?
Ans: 3,53
